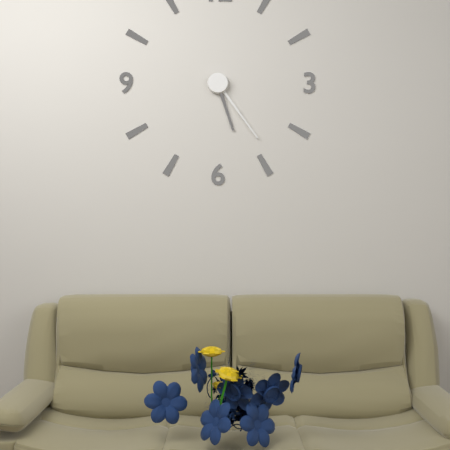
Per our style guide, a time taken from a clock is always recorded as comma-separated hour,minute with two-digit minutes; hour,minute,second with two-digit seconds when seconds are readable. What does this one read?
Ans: 5,24
